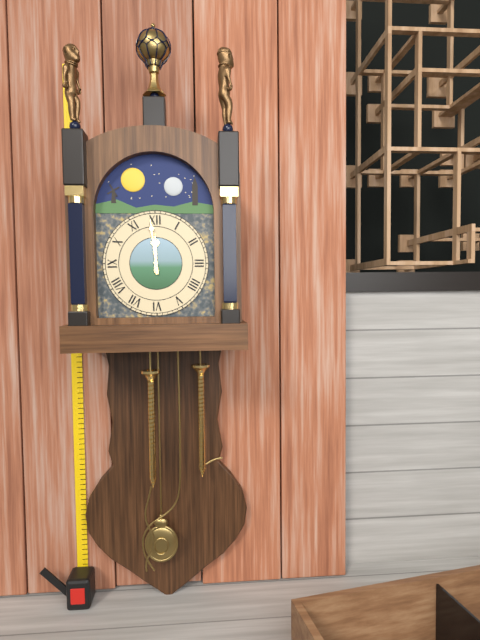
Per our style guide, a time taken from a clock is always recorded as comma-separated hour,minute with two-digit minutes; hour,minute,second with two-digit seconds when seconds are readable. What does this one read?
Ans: 11,59
